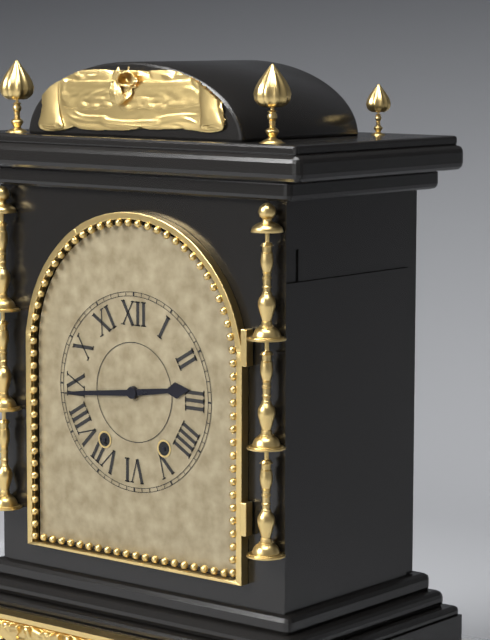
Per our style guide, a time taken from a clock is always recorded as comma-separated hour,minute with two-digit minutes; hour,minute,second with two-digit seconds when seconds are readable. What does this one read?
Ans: 2,44
